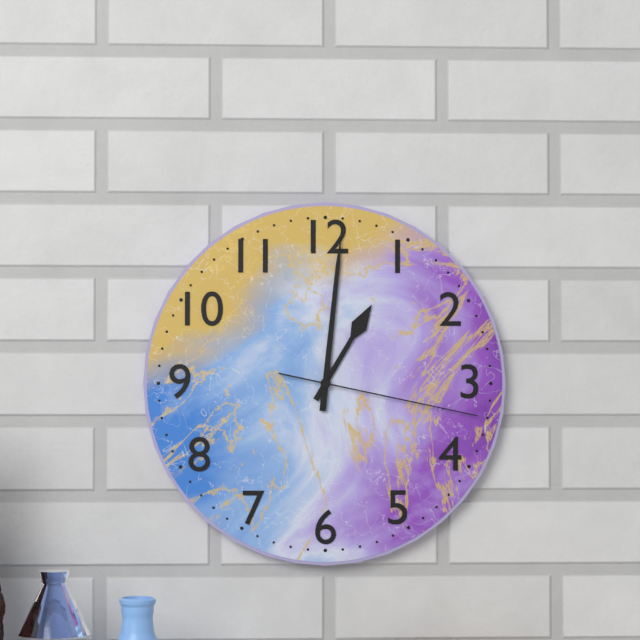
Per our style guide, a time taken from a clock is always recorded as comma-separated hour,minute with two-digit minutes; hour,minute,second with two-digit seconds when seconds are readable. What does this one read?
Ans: 1,01,17
